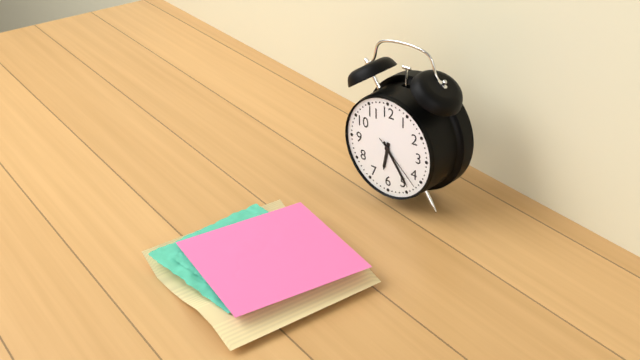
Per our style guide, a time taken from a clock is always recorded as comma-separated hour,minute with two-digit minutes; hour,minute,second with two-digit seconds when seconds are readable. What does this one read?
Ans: 6,24,22
